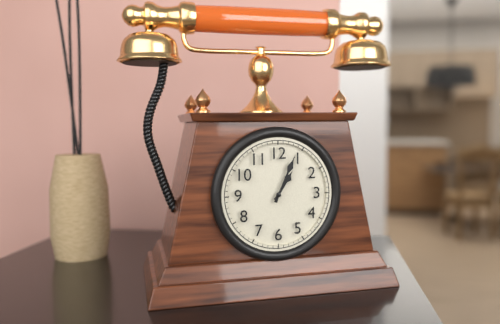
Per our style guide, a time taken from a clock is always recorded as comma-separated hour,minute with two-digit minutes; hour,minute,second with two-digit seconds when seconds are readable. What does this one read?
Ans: 1,04
